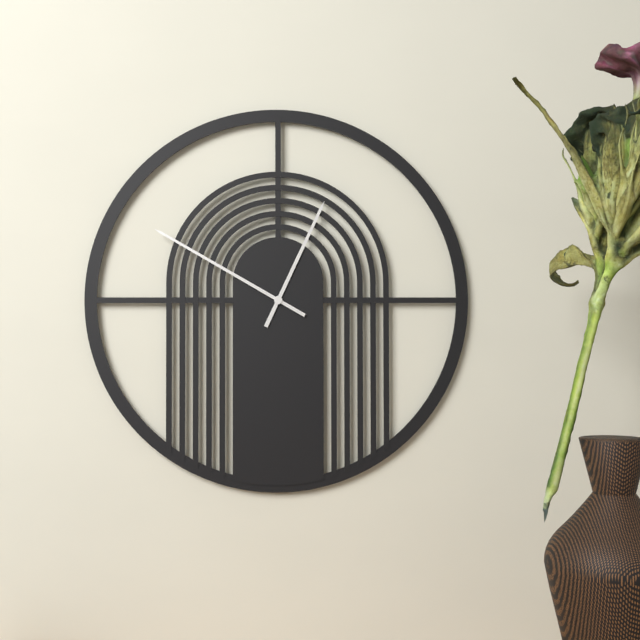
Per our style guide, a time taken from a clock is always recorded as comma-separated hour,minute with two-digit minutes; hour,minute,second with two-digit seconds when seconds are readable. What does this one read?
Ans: 12,50
